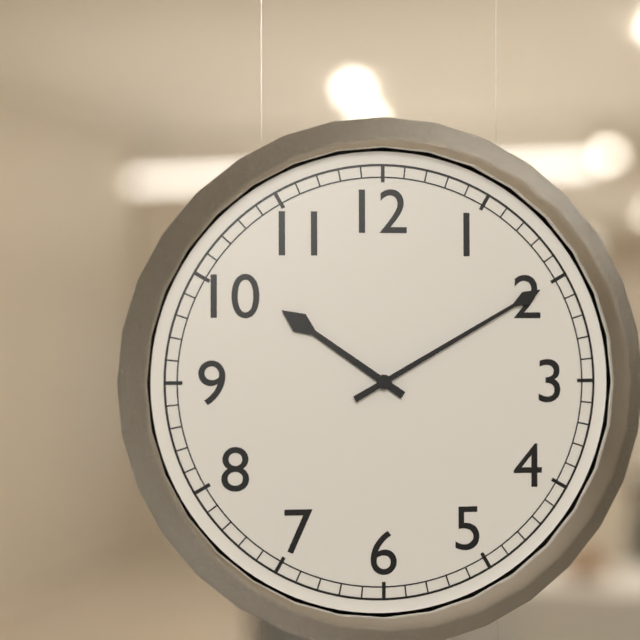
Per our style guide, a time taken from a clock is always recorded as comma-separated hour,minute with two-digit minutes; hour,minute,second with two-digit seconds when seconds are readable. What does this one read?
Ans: 10,10
